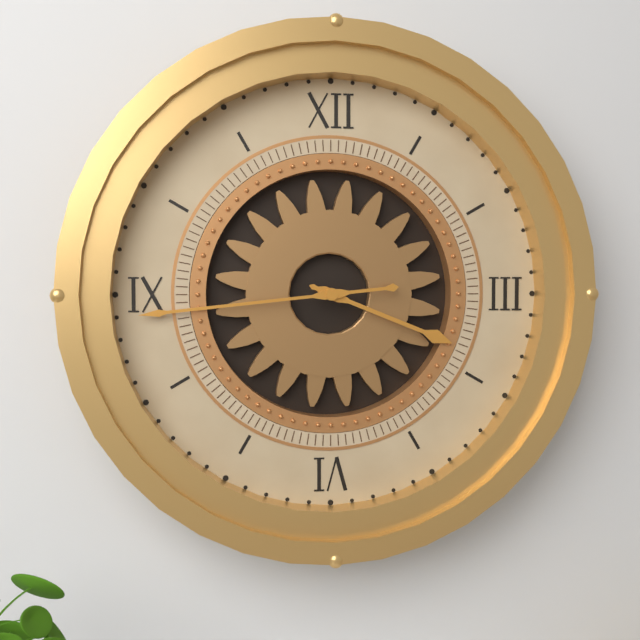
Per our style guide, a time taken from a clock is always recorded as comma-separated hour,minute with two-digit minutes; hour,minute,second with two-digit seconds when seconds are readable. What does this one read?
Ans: 3,44
